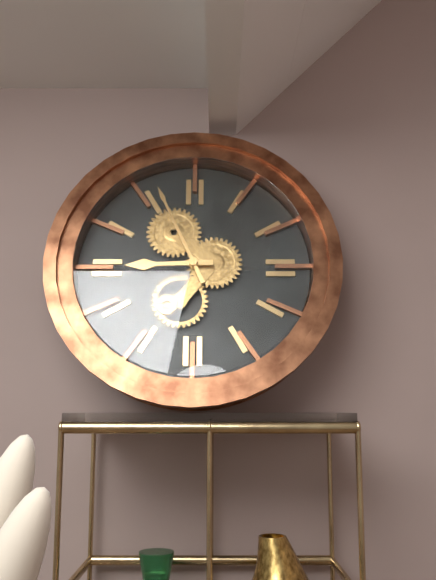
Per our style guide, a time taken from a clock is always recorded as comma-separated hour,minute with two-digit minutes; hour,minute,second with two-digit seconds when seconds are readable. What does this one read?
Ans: 8,56
